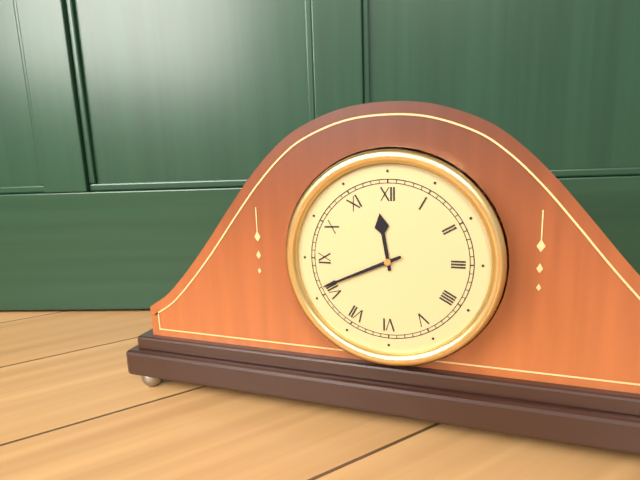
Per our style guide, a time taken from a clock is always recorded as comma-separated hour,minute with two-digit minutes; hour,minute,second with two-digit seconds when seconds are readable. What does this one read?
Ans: 11,41
